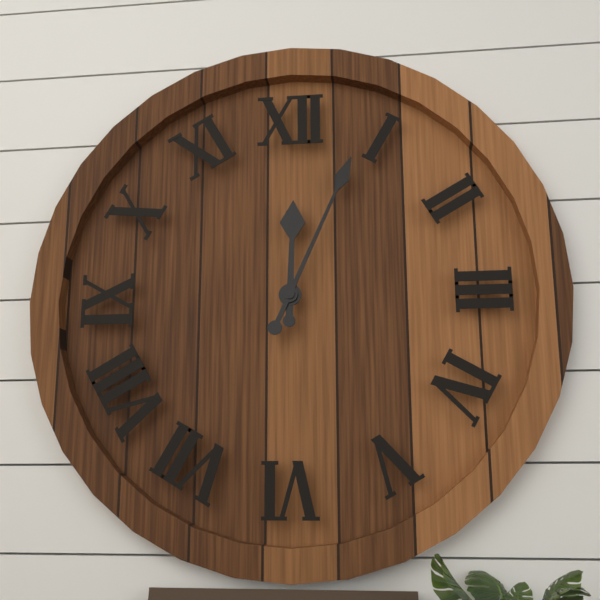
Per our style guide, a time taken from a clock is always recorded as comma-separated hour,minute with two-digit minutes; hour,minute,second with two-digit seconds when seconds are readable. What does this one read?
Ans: 12,04
